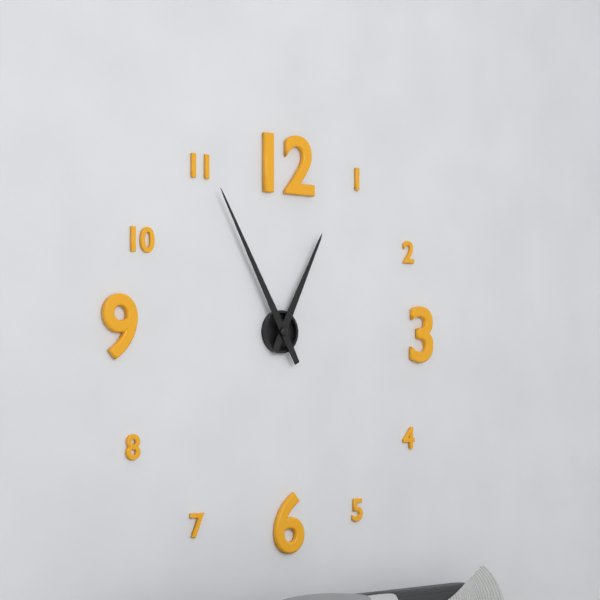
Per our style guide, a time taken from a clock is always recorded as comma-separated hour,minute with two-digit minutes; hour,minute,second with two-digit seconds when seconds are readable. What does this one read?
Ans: 12,55
